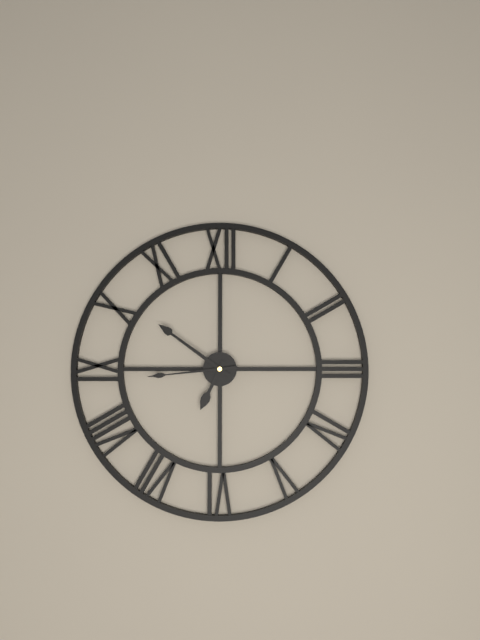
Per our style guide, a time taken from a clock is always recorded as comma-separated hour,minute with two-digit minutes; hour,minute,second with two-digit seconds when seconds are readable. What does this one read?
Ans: 6,51,44
